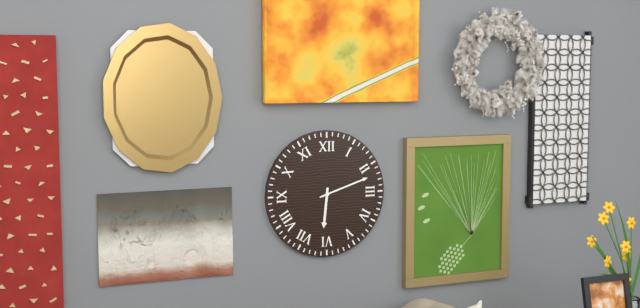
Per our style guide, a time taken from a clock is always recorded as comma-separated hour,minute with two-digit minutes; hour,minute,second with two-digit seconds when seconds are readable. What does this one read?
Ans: 6,12
